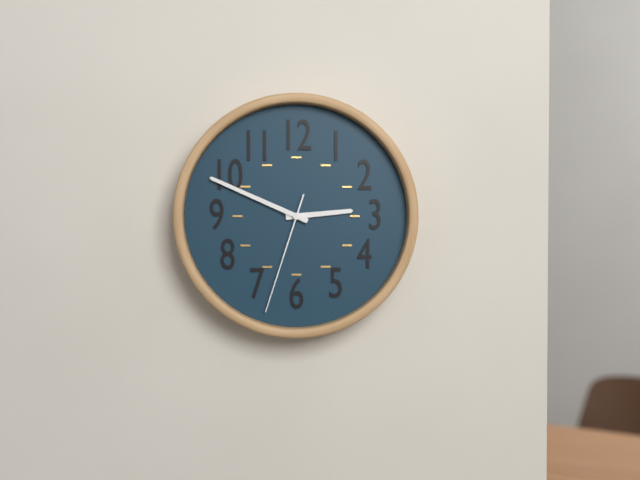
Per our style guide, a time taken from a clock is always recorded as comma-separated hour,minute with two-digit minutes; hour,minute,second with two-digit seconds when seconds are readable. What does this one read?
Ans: 2,49,33
